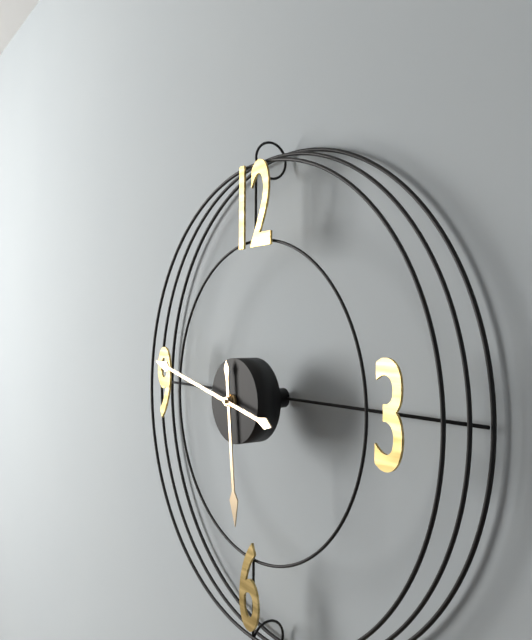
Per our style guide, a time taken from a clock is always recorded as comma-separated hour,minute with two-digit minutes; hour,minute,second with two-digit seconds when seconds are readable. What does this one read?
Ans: 5,47
